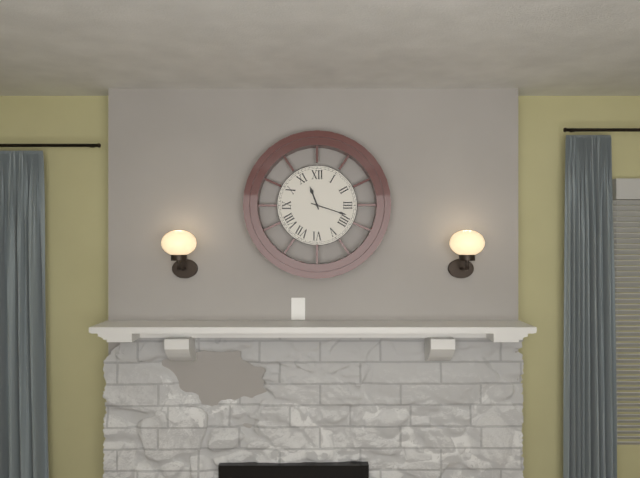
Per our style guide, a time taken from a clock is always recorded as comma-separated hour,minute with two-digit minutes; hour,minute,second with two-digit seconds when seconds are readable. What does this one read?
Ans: 11,18
